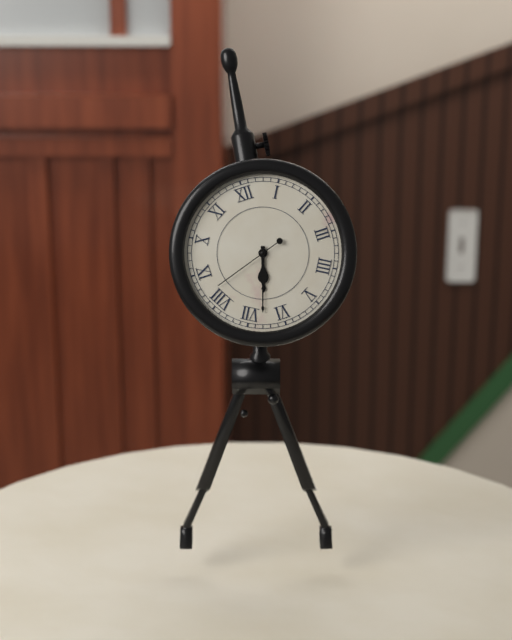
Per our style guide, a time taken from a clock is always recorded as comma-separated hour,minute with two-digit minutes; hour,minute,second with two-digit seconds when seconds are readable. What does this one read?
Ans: 6,33,42
